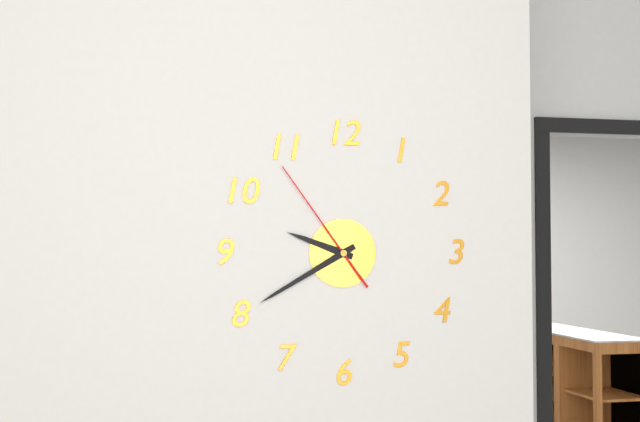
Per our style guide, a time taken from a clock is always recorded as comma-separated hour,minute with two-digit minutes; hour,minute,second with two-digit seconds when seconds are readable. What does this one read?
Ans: 9,40,54
